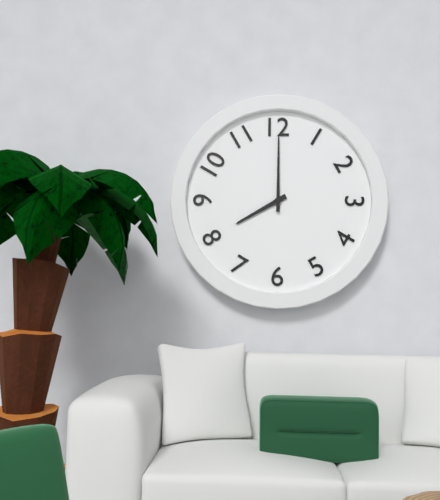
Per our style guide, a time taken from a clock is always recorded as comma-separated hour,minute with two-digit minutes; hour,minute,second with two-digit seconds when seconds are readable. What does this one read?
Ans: 8,00
